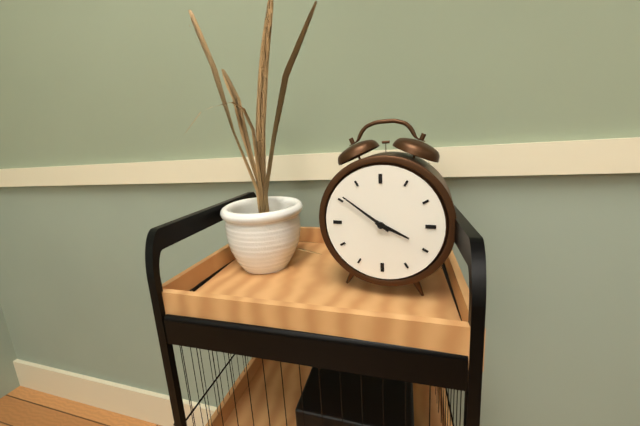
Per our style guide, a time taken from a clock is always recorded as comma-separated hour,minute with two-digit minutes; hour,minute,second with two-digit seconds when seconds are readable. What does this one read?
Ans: 3,51
